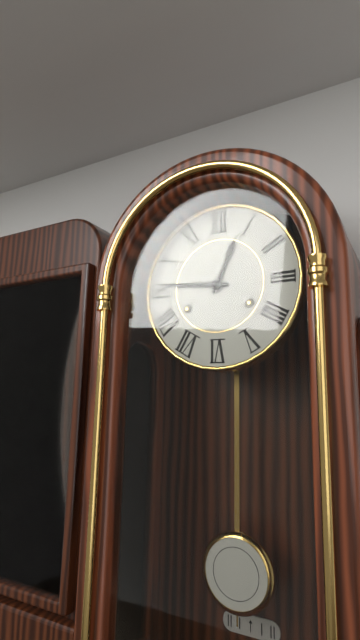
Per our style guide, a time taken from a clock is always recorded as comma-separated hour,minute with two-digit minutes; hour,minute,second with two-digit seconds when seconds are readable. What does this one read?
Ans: 12,46
